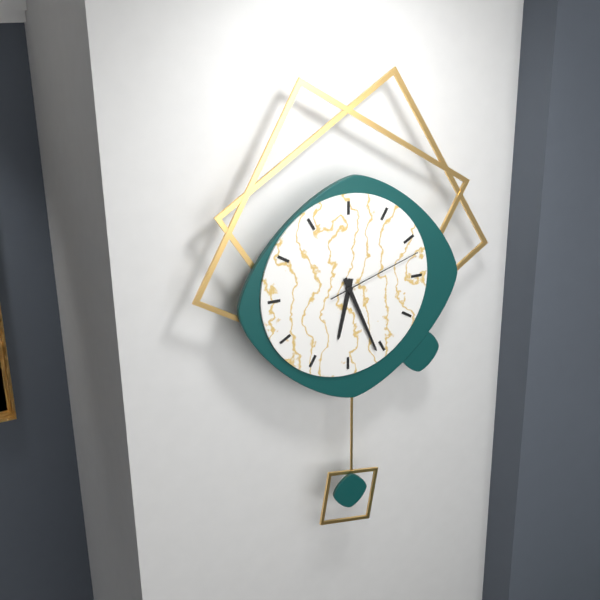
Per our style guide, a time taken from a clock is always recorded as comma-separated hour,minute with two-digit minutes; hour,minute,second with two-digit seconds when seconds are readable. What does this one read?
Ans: 6,26,12
